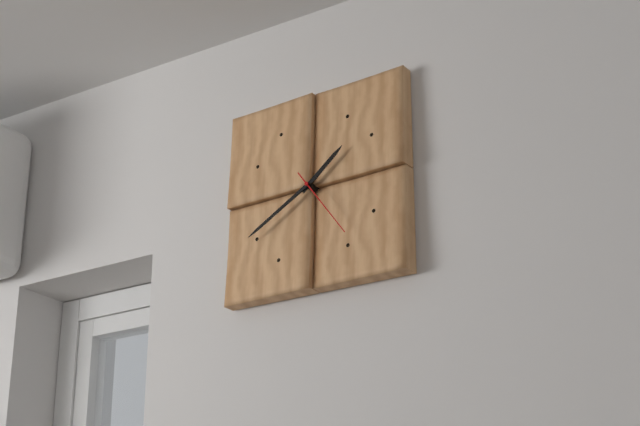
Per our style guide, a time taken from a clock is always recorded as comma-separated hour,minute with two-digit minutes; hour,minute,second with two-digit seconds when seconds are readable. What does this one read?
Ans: 1,40,24
